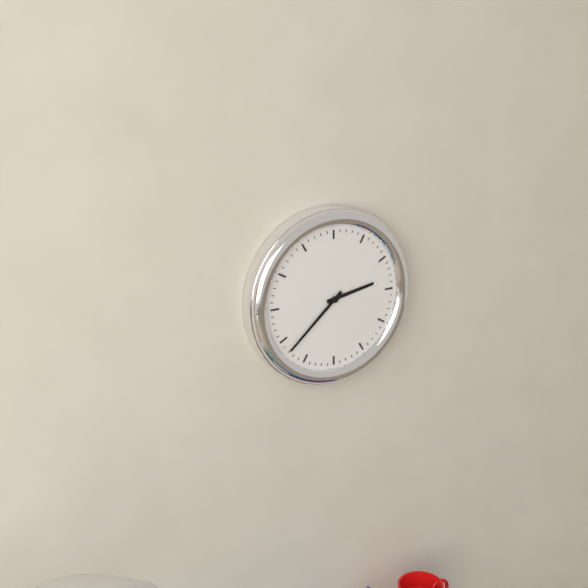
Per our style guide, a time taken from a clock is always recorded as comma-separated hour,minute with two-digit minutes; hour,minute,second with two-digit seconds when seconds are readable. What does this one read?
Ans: 2,38
